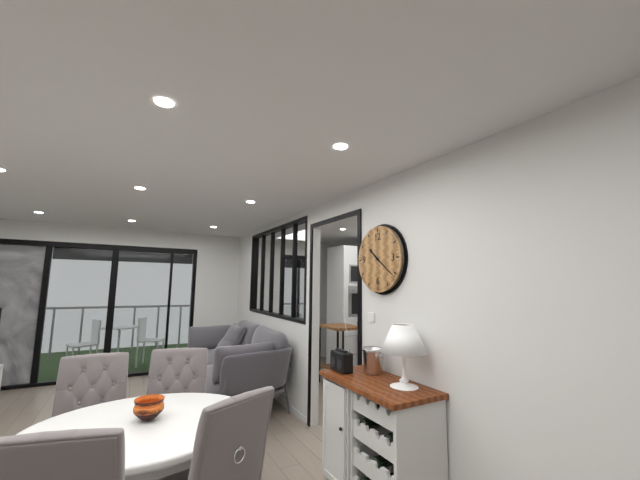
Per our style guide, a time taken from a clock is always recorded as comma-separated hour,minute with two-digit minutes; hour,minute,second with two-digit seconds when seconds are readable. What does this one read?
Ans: 10,21
